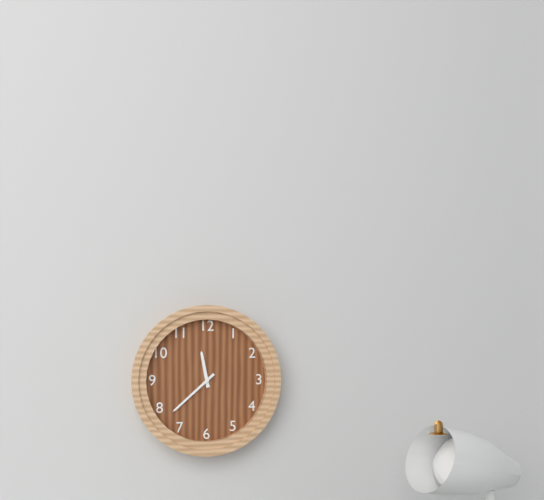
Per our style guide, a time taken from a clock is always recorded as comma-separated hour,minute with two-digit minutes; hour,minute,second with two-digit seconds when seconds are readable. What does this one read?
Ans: 11,38
